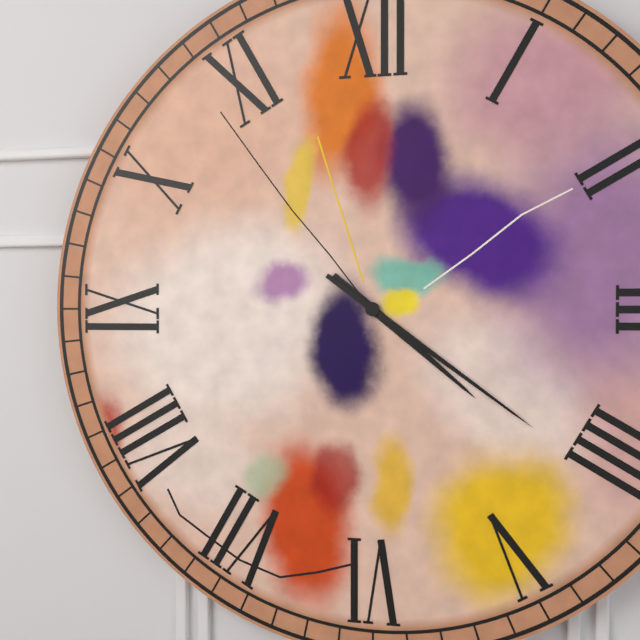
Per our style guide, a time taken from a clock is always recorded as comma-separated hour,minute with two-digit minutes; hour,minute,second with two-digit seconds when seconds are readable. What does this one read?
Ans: 4,21
